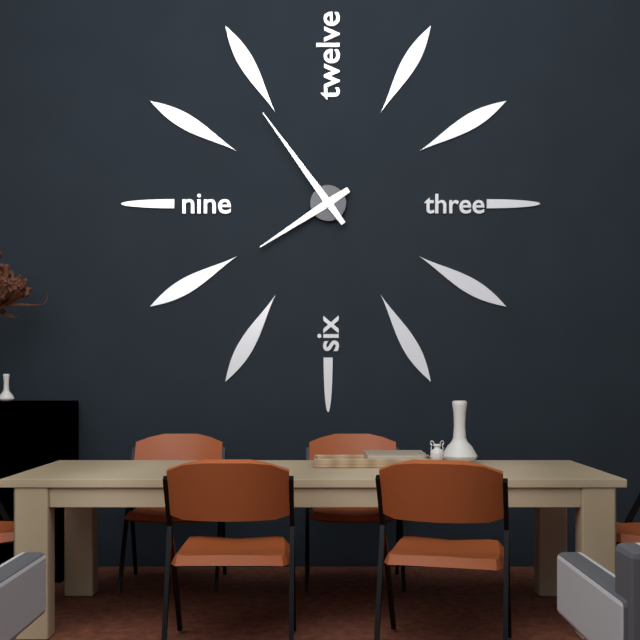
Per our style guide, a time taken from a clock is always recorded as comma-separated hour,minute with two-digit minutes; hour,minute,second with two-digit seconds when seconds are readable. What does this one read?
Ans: 7,54
